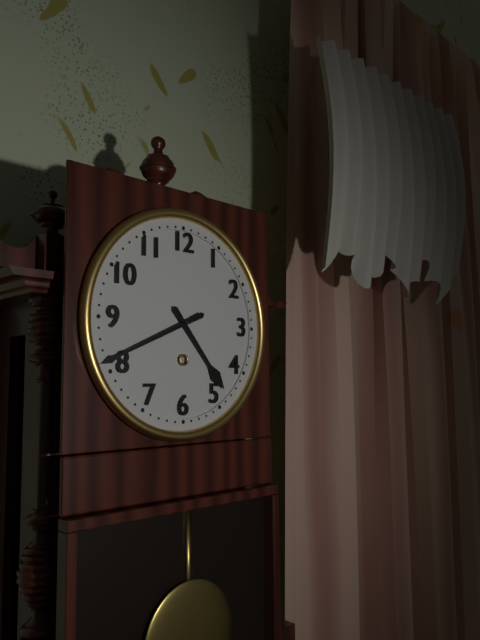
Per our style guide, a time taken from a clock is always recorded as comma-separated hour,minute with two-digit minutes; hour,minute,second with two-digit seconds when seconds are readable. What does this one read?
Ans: 4,41
